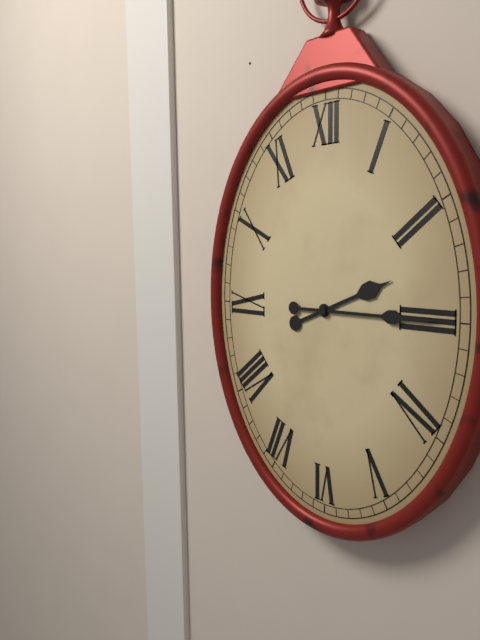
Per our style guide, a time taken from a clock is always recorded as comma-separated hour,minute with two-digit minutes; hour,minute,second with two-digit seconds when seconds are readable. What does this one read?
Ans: 2,15
